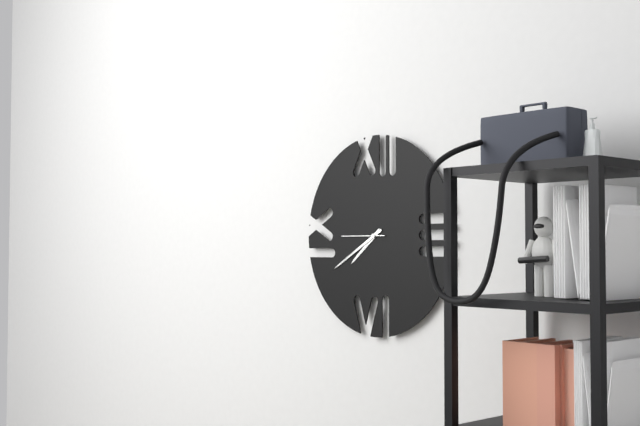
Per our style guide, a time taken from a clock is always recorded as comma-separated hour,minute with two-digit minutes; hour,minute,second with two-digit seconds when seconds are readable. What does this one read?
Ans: 7,40
